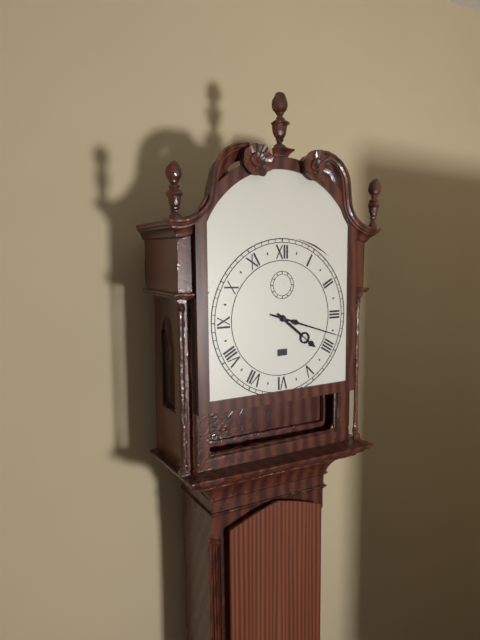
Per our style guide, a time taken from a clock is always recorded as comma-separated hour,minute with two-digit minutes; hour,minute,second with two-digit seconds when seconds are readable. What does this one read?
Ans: 4,18
